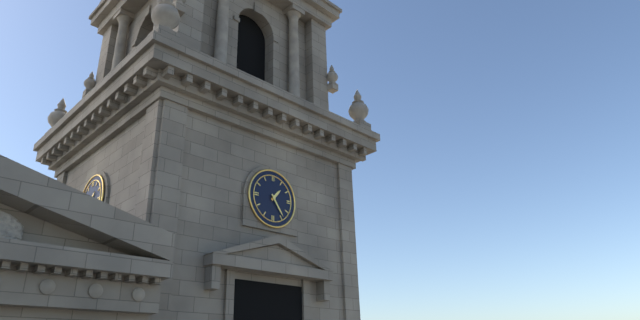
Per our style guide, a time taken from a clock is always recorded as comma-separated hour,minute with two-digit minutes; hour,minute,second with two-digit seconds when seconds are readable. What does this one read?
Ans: 1,24
